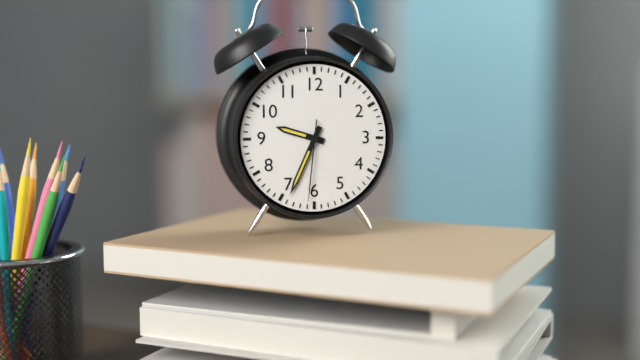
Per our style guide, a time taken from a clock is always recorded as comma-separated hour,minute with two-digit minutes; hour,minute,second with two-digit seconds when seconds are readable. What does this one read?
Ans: 9,34,31
